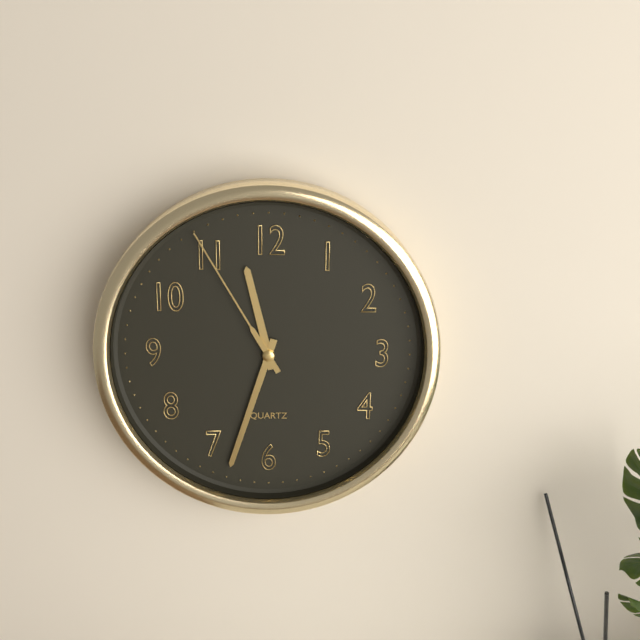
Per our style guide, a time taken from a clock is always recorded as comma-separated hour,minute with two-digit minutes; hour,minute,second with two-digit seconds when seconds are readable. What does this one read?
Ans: 11,33,55
